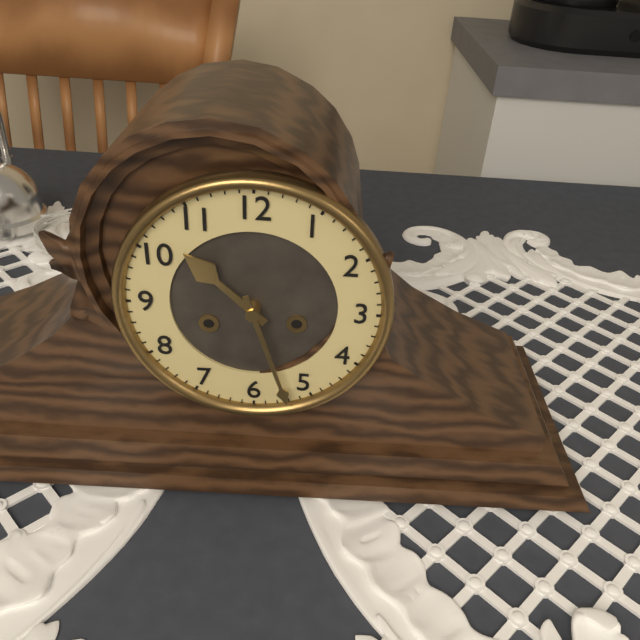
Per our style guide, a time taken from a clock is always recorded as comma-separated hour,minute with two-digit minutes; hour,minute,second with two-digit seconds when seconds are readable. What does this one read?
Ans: 10,27
